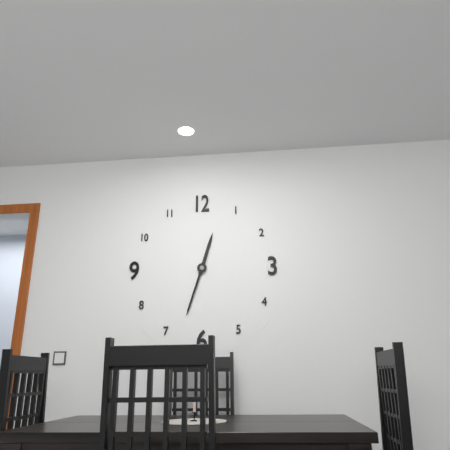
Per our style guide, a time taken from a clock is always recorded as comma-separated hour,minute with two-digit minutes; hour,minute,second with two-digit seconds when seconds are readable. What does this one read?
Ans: 12,33
